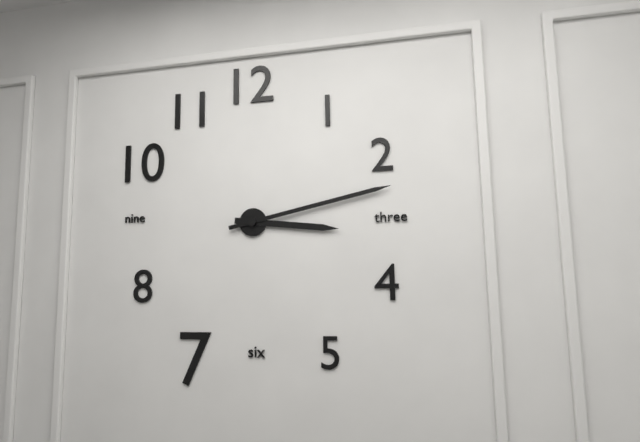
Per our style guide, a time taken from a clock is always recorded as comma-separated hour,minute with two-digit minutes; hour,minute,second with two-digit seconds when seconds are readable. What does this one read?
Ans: 3,13
